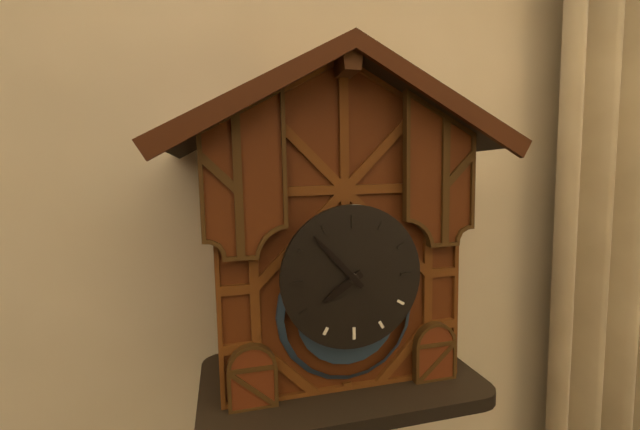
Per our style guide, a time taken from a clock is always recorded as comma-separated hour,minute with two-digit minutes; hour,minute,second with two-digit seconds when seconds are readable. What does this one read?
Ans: 7,53
